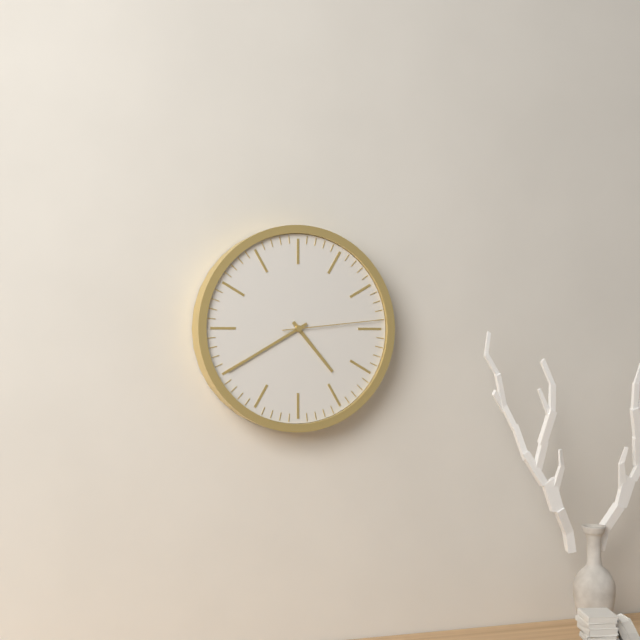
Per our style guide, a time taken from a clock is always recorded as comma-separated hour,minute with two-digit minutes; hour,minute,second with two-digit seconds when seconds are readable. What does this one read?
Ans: 4,40,14
